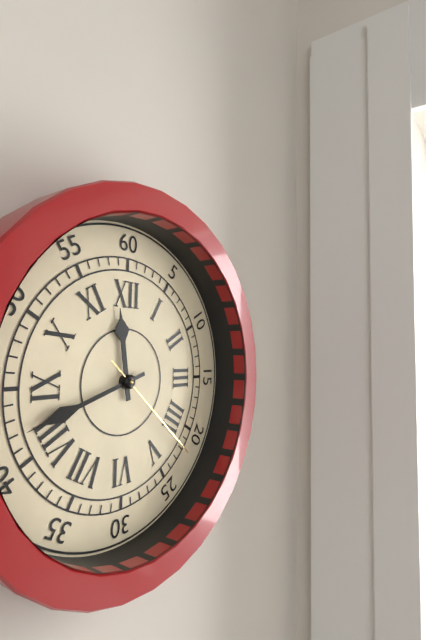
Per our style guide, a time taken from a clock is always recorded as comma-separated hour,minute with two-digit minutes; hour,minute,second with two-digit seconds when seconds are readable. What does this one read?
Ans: 11,42,22
